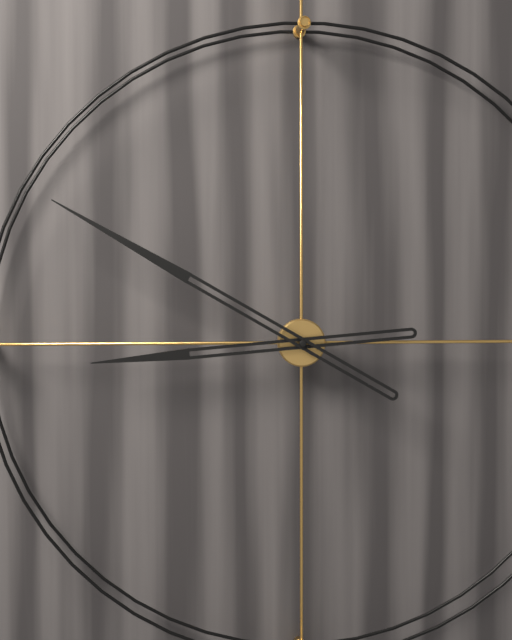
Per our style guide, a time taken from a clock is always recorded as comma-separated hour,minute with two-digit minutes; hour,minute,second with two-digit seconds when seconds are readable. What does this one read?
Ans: 8,50
